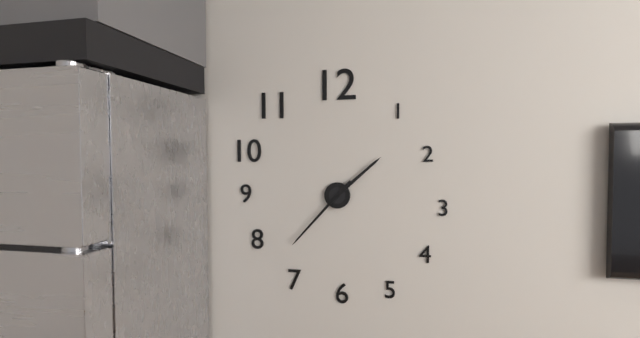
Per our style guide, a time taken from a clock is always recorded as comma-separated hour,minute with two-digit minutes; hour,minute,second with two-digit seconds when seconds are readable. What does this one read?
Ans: 1,37
